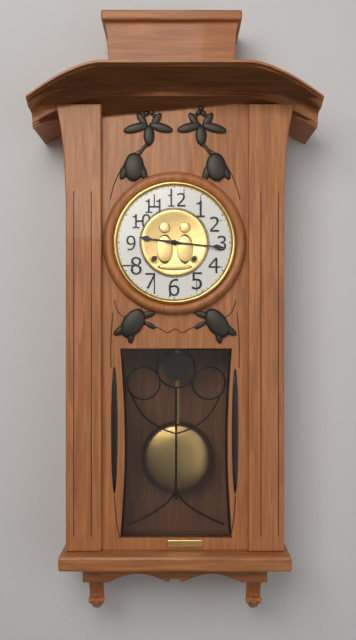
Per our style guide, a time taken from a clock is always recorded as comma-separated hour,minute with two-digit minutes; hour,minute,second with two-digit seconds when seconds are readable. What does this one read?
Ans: 9,16
